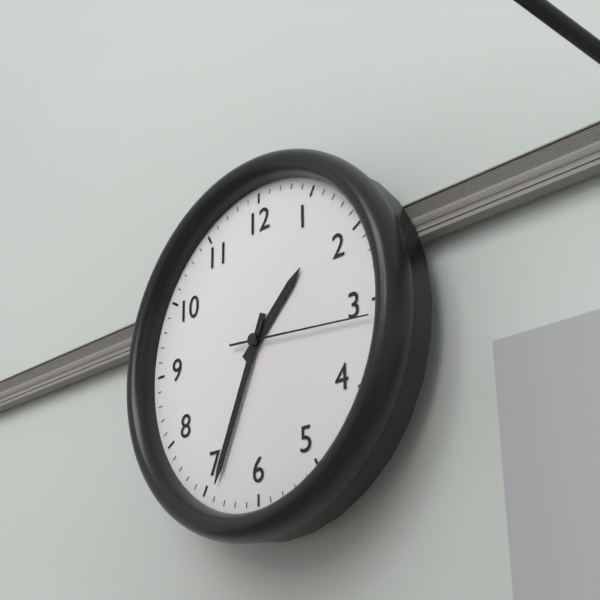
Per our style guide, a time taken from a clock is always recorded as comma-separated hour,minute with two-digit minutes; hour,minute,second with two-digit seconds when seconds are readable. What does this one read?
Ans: 1,34,16
